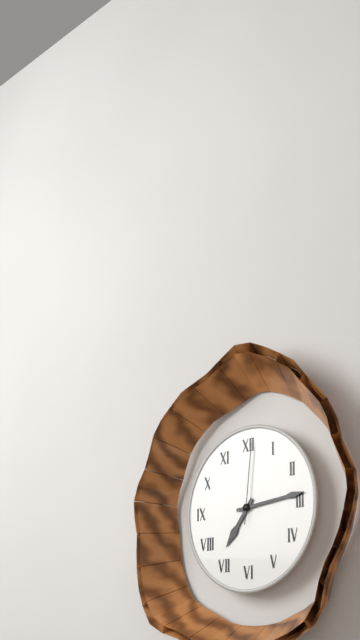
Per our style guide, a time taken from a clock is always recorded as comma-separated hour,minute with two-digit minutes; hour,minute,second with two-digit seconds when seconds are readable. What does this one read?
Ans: 7,14,01
